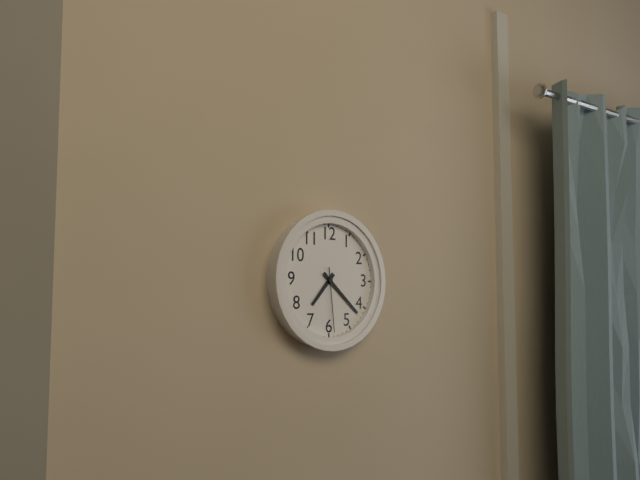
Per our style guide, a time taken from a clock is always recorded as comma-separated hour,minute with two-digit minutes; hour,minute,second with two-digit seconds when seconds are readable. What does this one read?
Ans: 7,22,29
